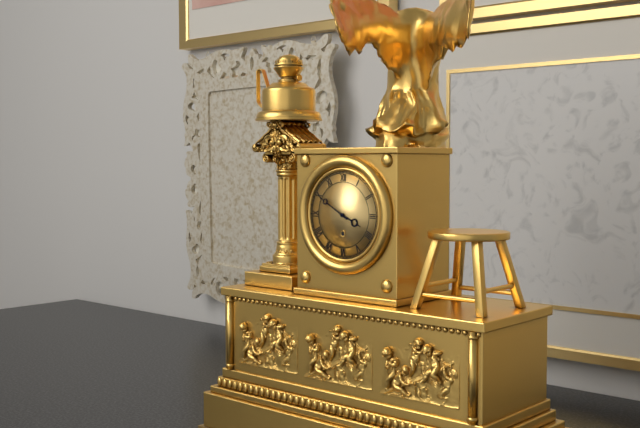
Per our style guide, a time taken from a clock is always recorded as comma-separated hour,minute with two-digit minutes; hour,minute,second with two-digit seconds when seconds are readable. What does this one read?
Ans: 3,50
